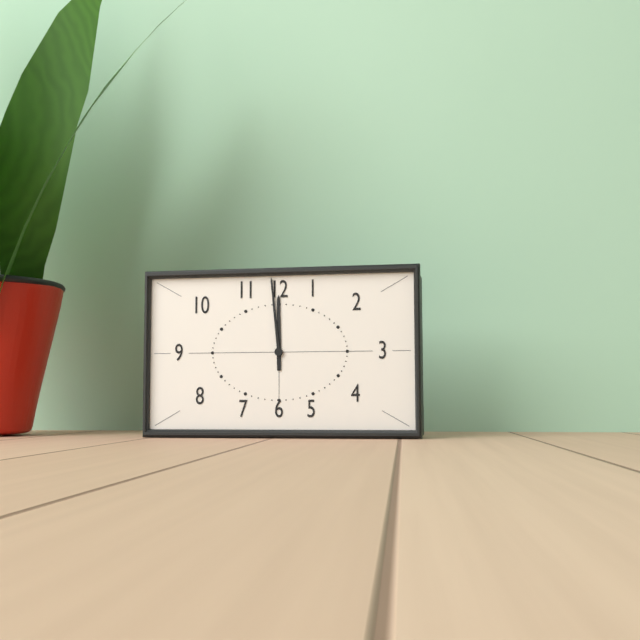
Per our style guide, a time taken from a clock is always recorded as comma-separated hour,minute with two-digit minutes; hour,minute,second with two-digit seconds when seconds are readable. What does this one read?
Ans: 11,59
